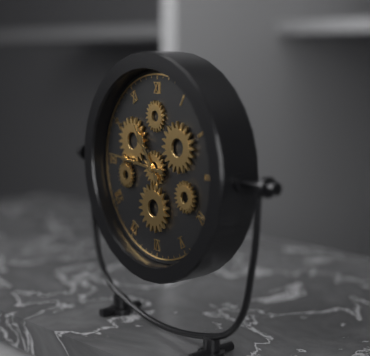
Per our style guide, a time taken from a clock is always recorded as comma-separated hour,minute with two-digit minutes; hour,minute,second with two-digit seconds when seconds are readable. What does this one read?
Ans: 10,46
